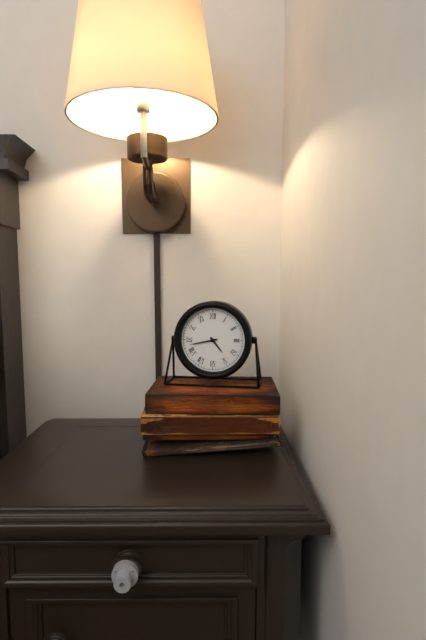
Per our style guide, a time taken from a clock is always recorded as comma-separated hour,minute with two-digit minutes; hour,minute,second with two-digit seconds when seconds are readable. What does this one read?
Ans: 4,43
